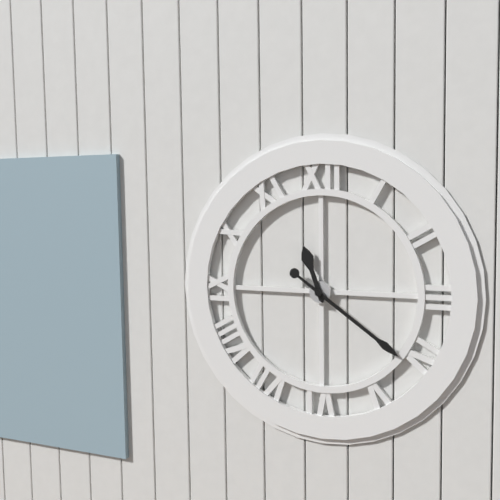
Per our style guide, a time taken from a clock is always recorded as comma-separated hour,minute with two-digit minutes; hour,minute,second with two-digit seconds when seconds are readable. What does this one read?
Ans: 11,21
